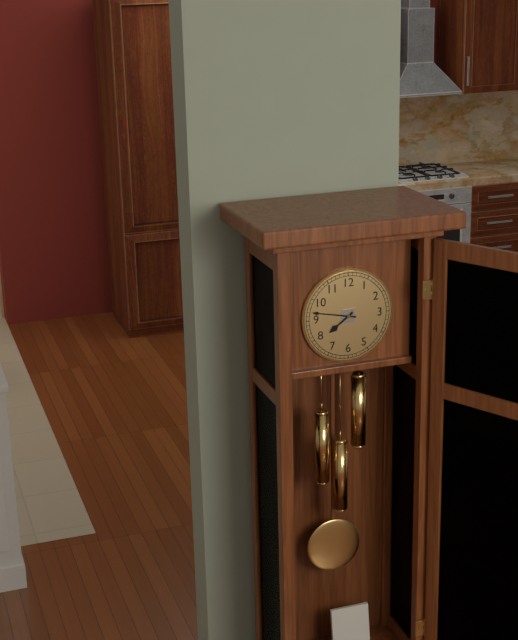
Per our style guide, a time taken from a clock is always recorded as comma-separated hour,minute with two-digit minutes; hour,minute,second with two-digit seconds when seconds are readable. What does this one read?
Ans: 7,47
